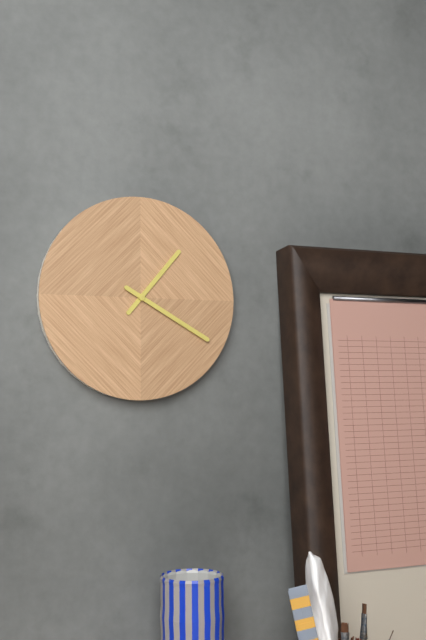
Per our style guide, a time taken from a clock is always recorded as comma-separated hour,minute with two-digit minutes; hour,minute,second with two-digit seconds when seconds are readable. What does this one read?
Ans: 1,20
